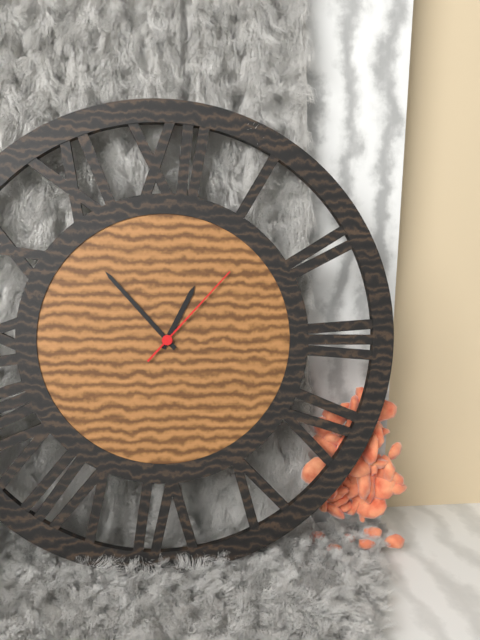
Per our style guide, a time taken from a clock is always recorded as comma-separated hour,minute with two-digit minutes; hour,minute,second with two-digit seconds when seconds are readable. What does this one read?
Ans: 12,53,07
